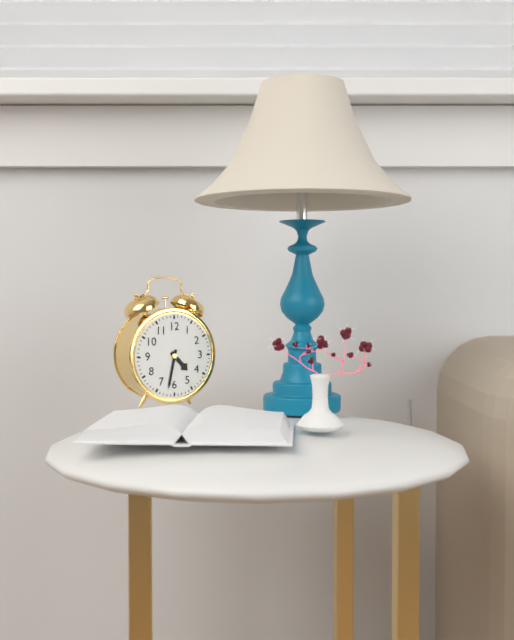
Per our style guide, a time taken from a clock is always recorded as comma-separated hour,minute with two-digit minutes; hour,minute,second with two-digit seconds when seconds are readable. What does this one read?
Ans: 4,32
